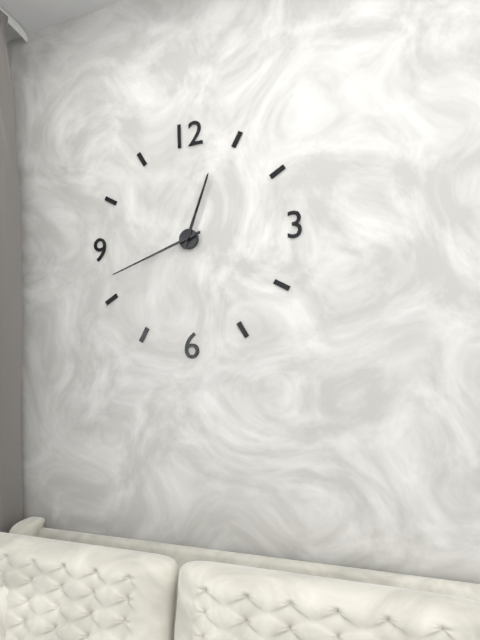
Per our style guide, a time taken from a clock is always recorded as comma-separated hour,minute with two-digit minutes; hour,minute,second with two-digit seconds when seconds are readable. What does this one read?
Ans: 12,42
